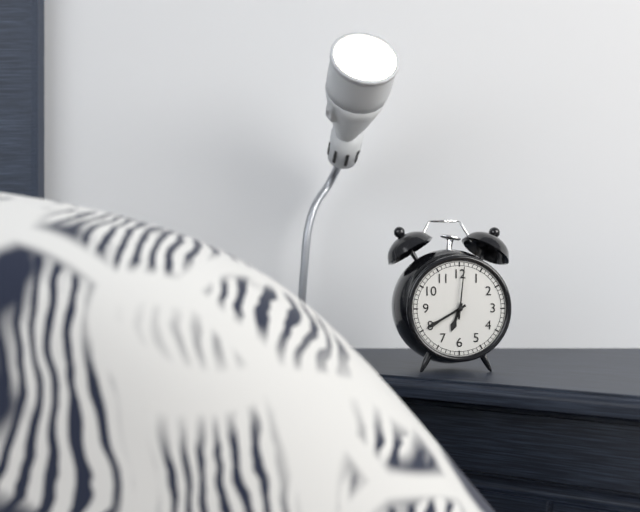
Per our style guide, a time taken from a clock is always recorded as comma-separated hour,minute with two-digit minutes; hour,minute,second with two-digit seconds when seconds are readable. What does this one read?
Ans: 6,40,01
